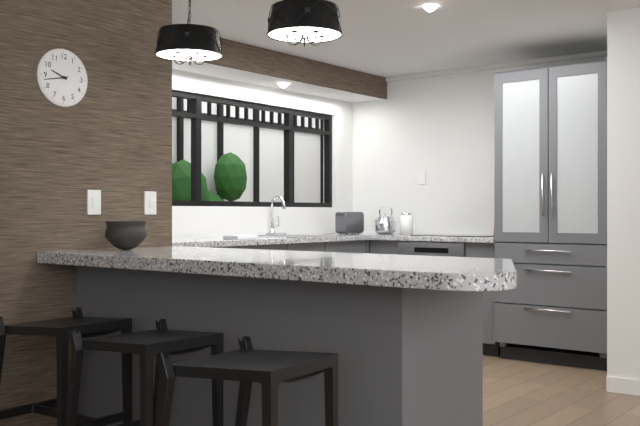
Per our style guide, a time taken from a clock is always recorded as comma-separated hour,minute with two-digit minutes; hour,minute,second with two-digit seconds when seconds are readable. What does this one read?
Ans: 9,43
